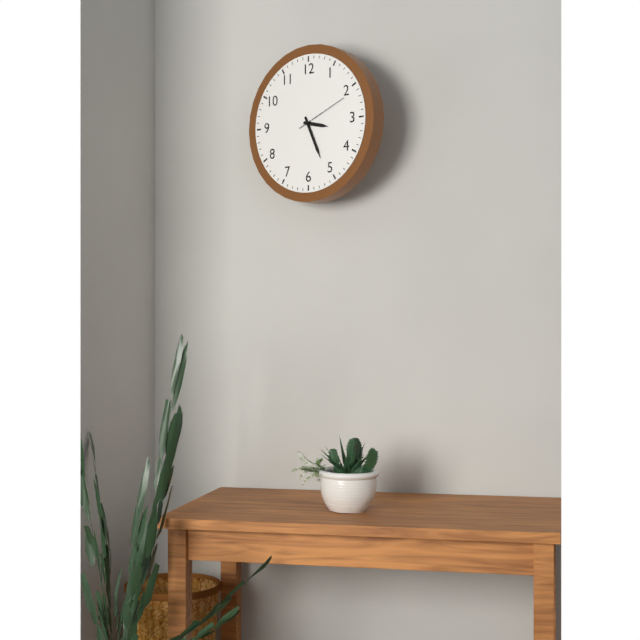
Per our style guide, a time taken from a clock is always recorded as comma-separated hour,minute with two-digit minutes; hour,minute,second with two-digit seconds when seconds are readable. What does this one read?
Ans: 3,26
